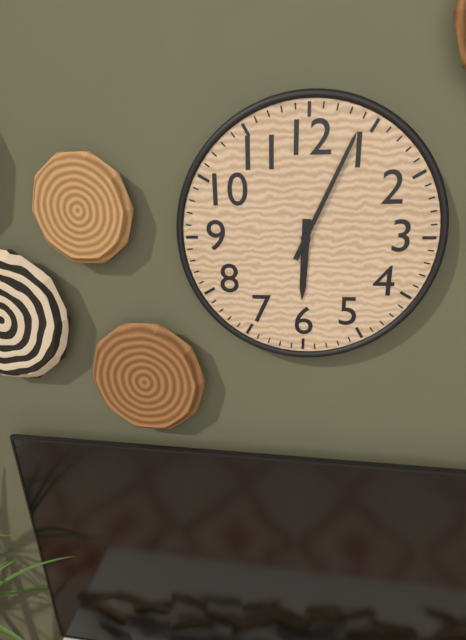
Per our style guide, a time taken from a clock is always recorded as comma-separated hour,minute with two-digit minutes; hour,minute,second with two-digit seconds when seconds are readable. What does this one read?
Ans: 6,04
